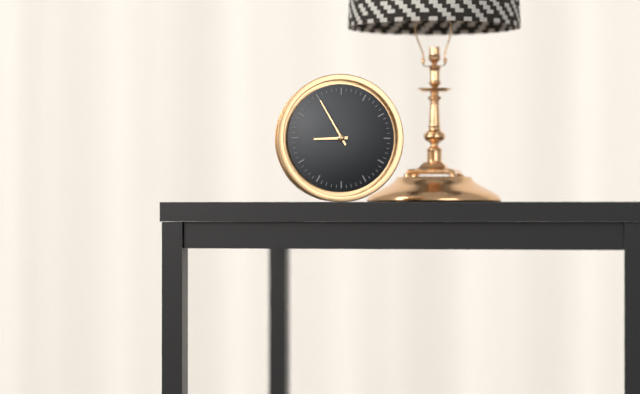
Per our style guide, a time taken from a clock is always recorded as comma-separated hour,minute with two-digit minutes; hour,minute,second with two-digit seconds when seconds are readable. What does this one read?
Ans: 8,55
